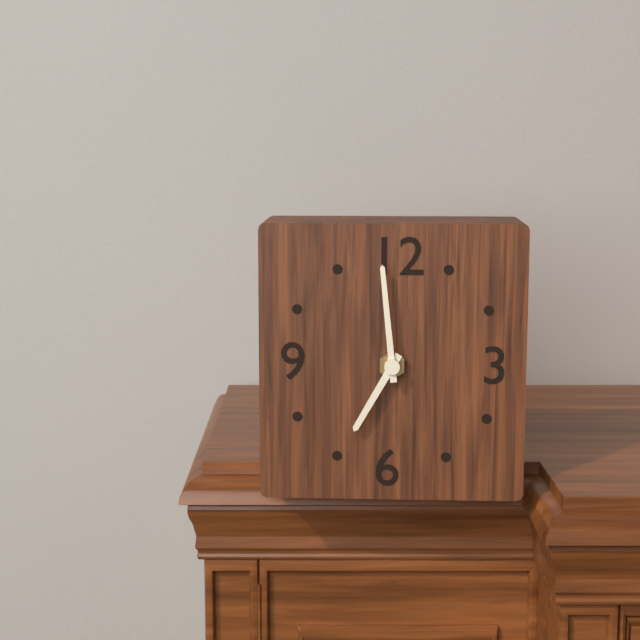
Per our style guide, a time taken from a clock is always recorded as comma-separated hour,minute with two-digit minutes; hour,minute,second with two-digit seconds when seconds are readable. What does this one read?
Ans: 6,59
